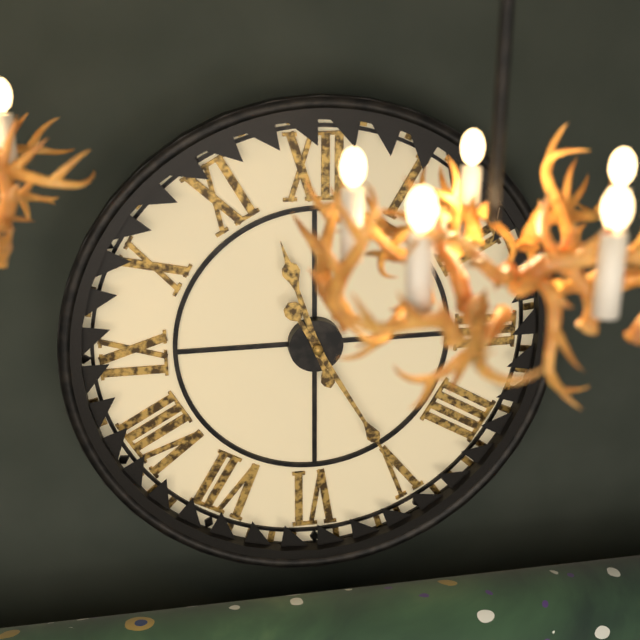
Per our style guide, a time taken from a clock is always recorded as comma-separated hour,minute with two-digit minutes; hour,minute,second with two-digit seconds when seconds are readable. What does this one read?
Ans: 11,25
